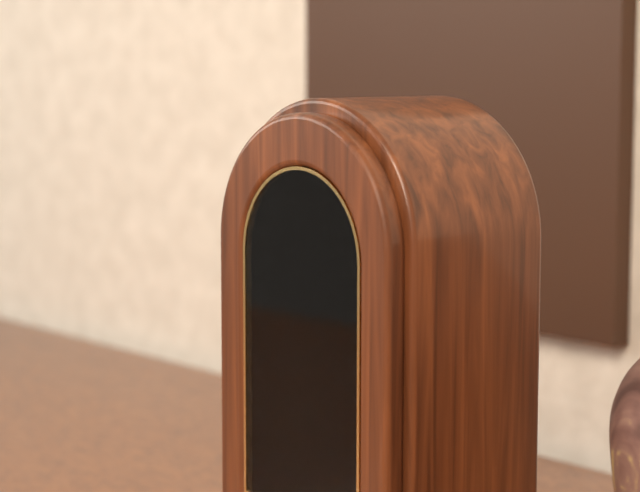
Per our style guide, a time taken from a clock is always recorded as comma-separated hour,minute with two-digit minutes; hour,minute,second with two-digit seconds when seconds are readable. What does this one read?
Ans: 2,29
